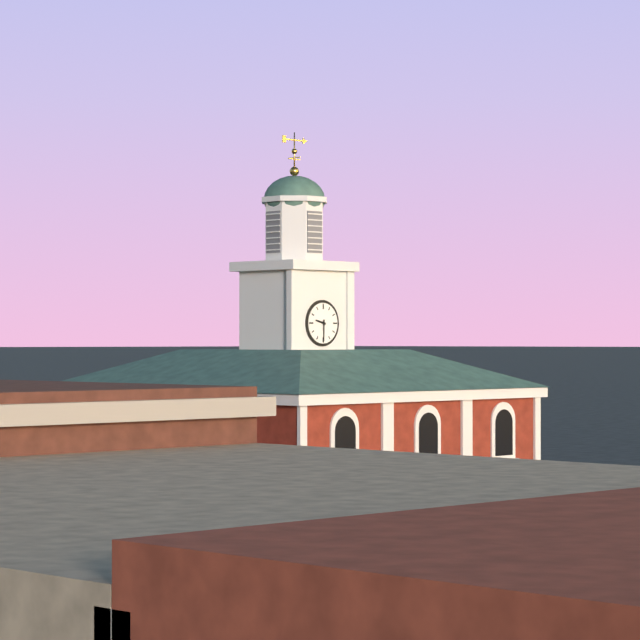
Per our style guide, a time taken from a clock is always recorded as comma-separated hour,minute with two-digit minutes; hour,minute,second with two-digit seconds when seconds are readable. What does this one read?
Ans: 9,30
